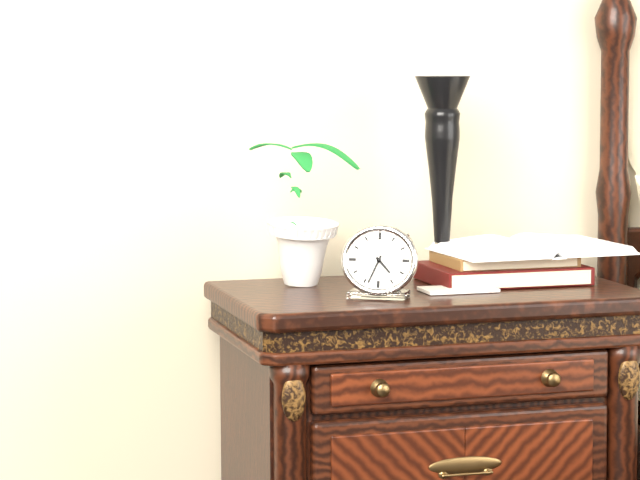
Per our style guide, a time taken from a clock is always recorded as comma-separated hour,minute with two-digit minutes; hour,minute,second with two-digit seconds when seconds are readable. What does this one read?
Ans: 4,34
